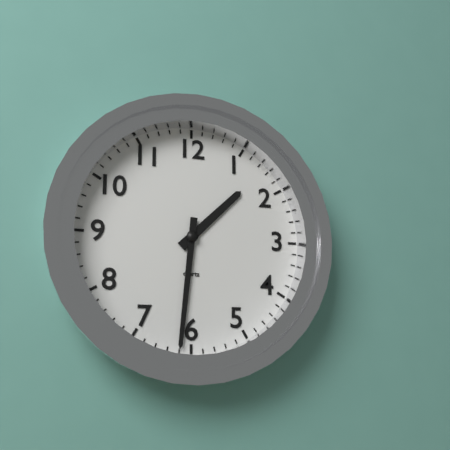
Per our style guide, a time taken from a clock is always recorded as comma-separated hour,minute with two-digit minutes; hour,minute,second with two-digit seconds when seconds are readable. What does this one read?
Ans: 1,31
